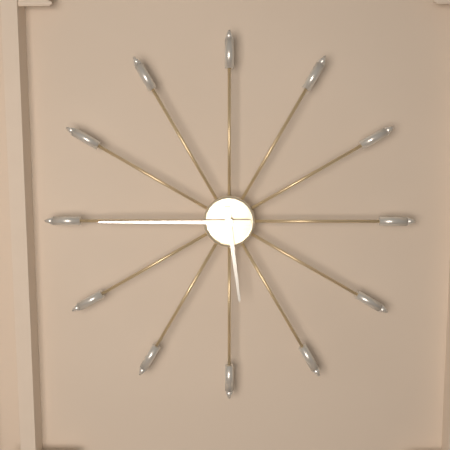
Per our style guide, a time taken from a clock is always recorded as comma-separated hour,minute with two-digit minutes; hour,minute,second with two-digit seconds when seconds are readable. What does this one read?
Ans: 5,45
